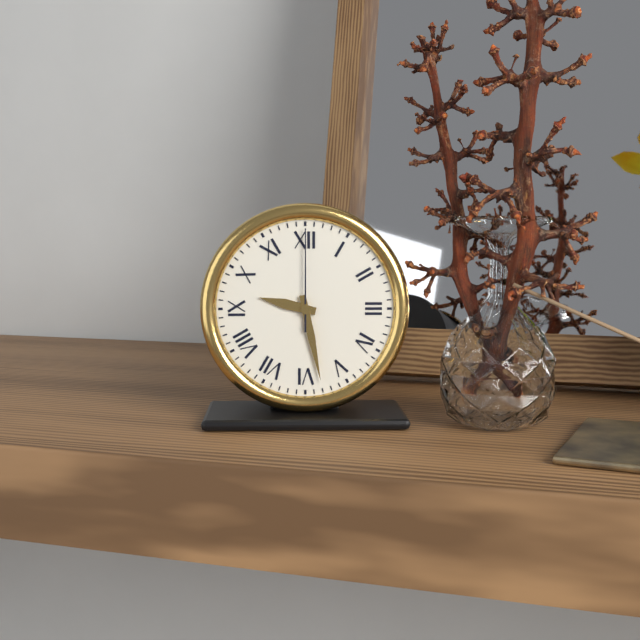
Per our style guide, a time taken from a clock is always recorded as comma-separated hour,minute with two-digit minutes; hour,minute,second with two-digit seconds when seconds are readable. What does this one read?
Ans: 9,28,00
